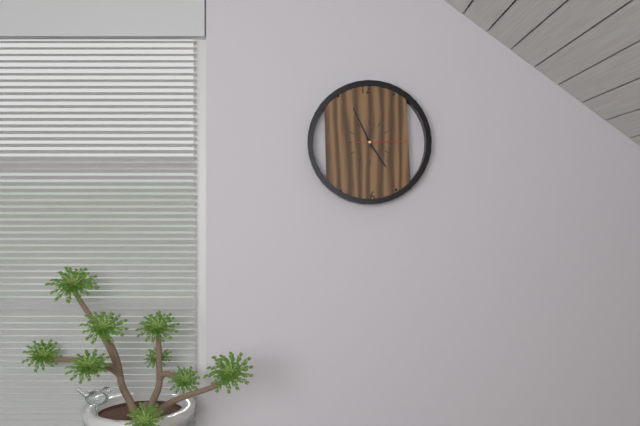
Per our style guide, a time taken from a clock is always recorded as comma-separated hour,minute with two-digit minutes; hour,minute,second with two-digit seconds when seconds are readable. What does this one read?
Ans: 4,56
